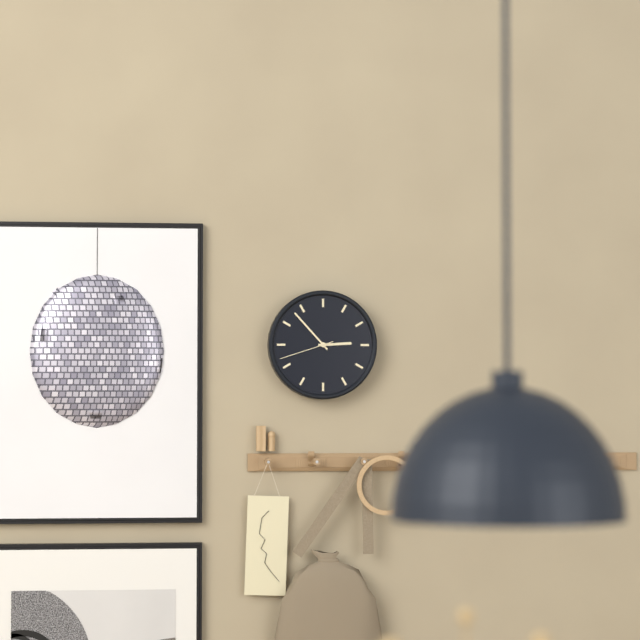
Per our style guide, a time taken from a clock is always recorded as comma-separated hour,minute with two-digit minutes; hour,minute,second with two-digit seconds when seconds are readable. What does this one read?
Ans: 2,53,42
